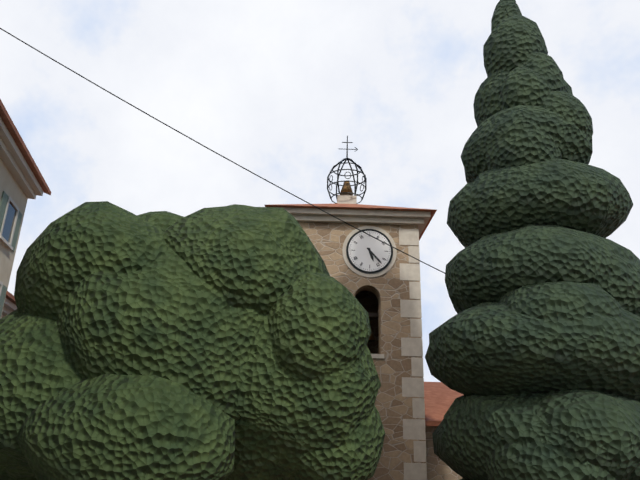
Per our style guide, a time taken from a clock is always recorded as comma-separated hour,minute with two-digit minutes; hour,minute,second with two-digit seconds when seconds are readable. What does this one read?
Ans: 5,23
